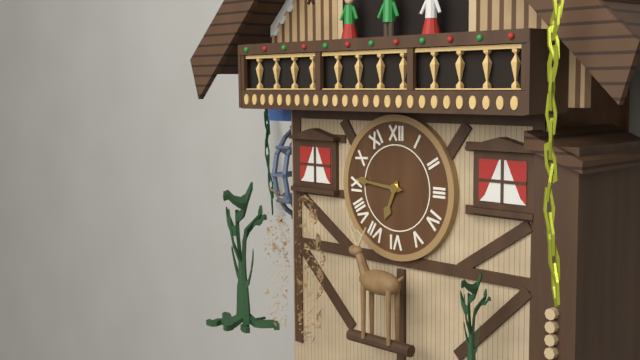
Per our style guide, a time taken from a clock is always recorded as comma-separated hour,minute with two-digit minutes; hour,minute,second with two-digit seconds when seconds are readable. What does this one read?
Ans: 6,46
